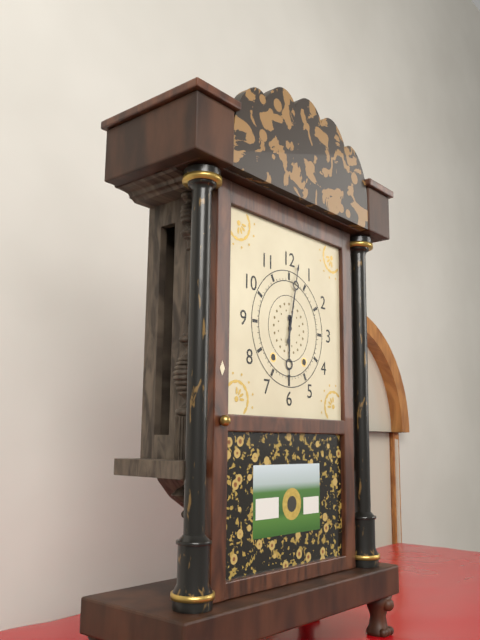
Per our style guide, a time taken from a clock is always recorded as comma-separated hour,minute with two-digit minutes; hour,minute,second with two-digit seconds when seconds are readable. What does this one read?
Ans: 6,02
